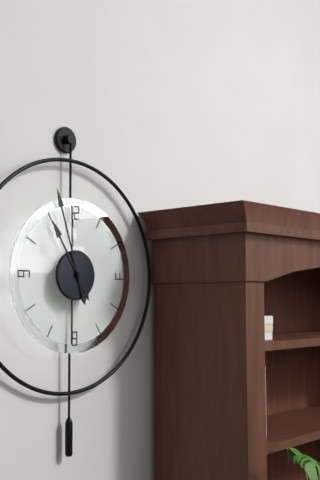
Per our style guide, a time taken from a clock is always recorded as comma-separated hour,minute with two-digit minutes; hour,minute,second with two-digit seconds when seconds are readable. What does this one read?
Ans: 10,57
